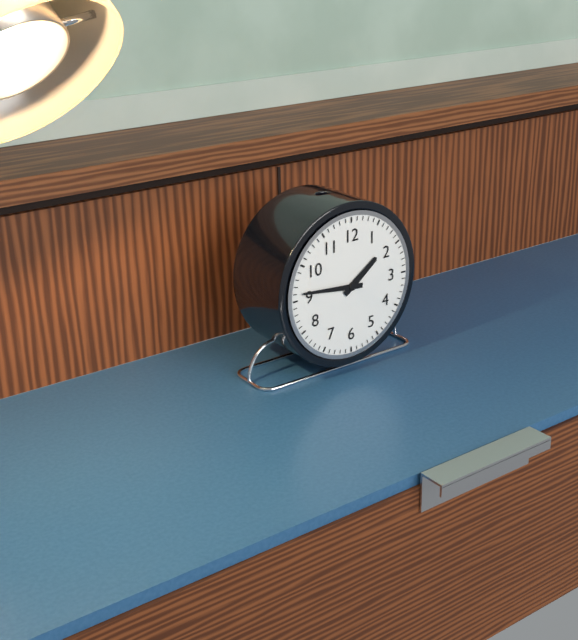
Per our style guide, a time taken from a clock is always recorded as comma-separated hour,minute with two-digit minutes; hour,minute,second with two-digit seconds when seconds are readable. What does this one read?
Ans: 1,46
